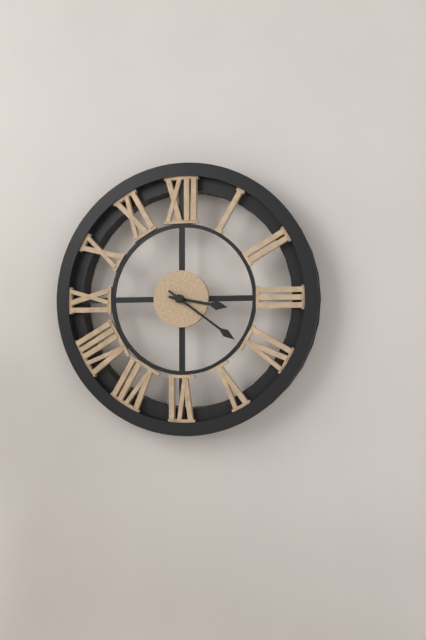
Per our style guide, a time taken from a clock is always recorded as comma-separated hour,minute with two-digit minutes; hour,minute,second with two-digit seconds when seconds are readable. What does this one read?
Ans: 3,21
